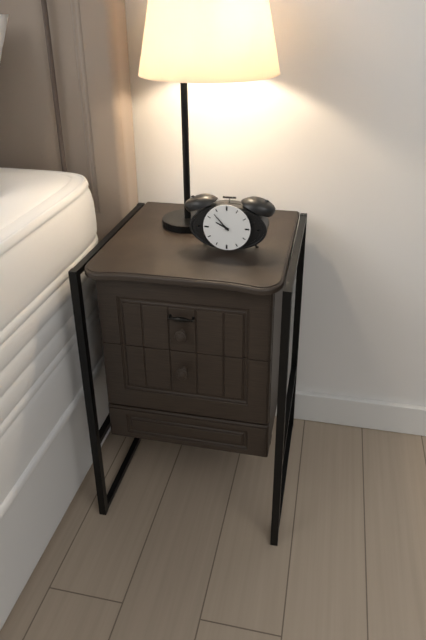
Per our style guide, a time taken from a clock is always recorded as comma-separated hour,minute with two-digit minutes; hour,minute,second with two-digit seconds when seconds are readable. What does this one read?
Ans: 9,53
